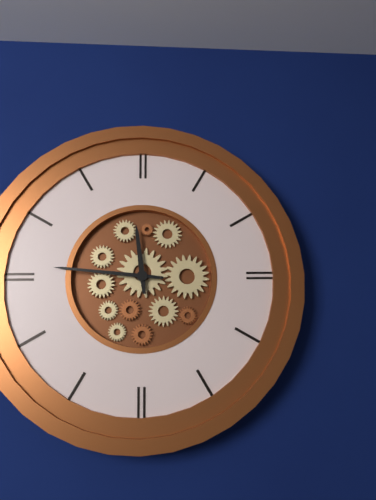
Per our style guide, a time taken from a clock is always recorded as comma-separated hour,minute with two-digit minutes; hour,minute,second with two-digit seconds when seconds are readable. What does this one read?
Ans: 11,46
